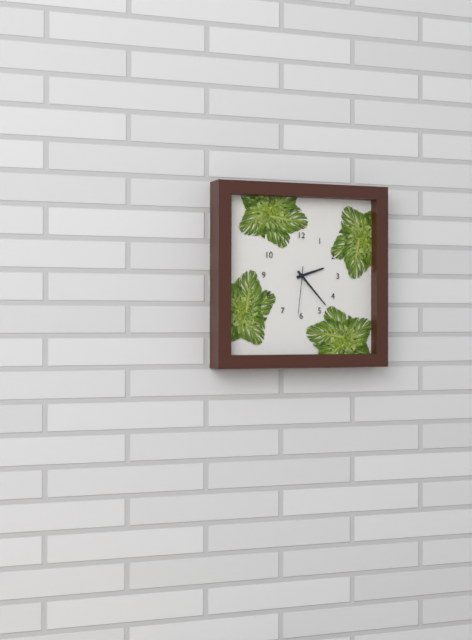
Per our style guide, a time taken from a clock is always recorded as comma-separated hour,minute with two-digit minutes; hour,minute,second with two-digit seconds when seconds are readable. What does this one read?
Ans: 2,23
